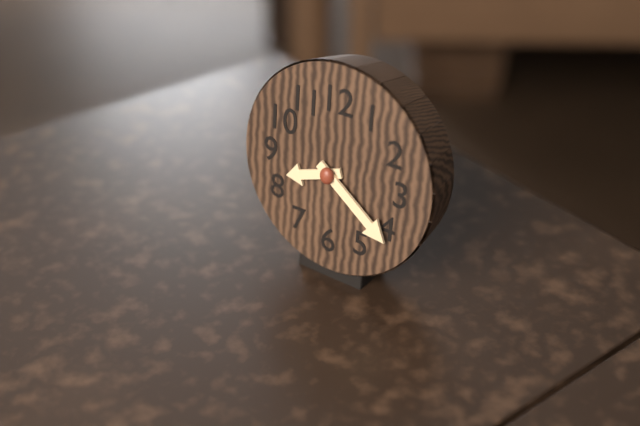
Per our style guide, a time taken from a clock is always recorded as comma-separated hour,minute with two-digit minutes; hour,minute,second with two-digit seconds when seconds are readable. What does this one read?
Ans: 8,21
